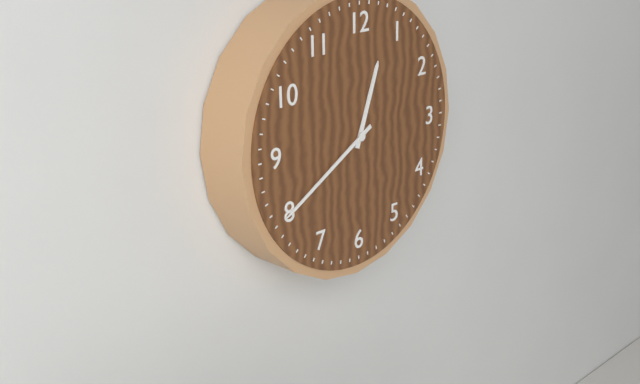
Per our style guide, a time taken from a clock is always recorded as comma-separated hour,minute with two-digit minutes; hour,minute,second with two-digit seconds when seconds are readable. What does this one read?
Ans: 12,40
